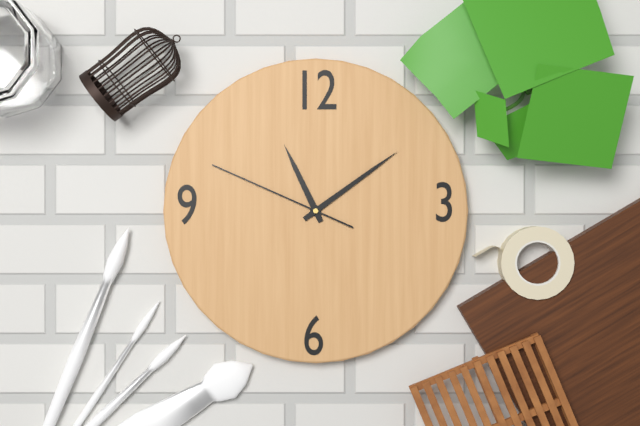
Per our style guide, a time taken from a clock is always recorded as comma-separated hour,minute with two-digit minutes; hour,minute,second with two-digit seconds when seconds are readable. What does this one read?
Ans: 11,09,49
